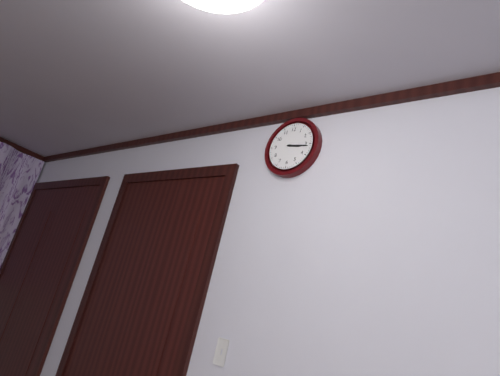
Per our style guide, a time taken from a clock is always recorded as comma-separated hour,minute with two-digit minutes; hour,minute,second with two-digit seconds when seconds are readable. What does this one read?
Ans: 3,16
